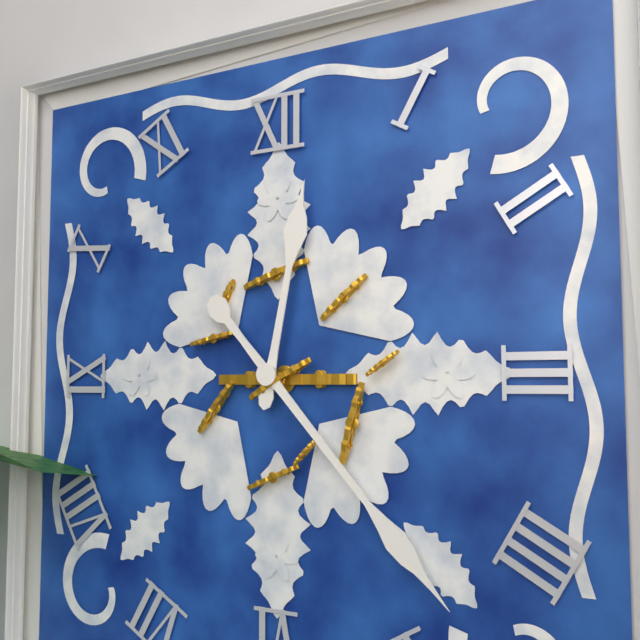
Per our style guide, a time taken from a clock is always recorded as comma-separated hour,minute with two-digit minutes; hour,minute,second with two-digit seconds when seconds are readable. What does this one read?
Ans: 12,23
